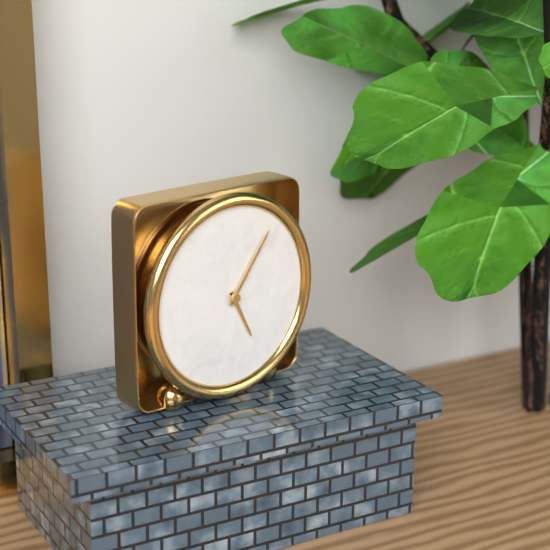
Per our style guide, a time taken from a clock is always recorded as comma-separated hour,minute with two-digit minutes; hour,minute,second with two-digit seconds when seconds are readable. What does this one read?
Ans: 5,06
